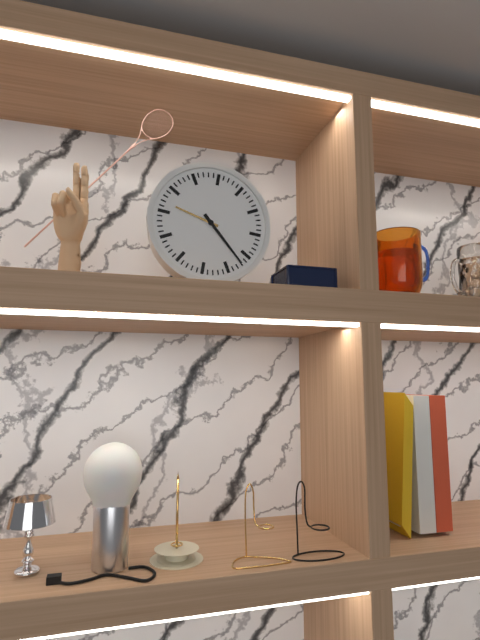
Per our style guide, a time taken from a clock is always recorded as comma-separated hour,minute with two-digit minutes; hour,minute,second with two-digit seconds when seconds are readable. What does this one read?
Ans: 9,22
